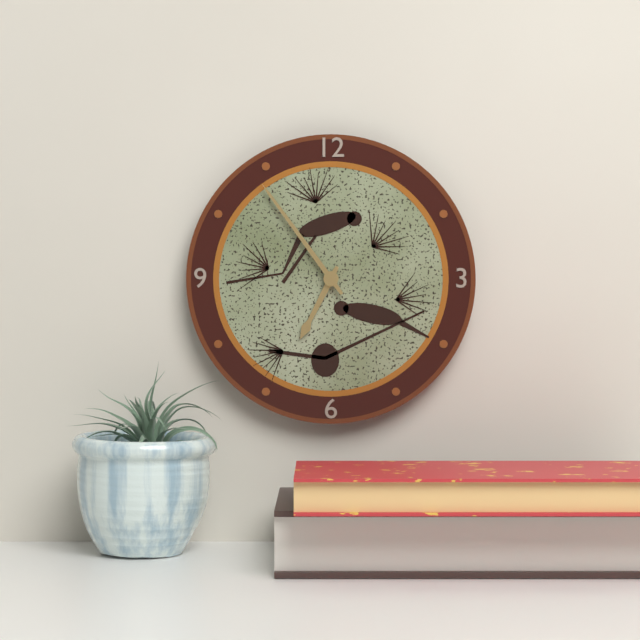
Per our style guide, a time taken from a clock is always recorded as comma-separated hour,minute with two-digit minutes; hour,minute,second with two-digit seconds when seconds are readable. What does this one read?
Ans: 6,54
